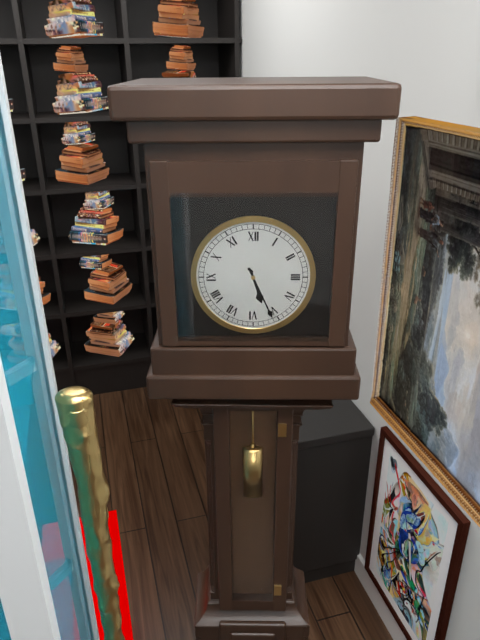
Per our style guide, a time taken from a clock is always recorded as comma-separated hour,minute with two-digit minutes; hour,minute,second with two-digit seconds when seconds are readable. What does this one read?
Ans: 5,26
